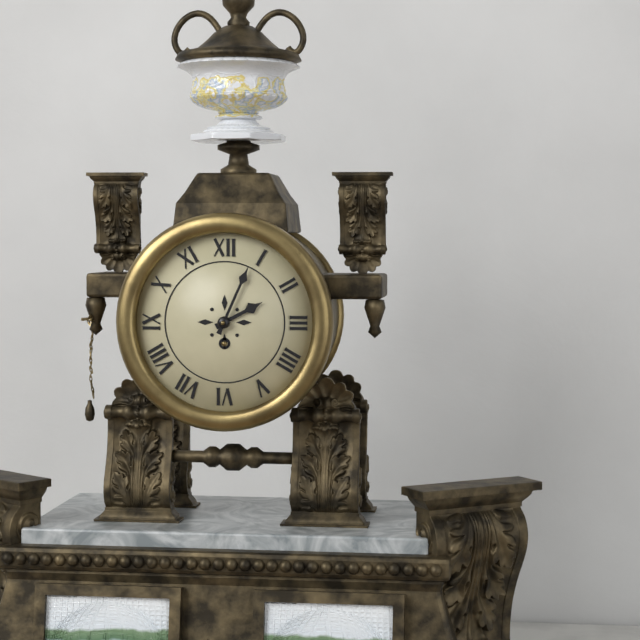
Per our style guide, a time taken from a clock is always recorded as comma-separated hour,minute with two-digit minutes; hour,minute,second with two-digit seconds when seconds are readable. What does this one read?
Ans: 2,04
